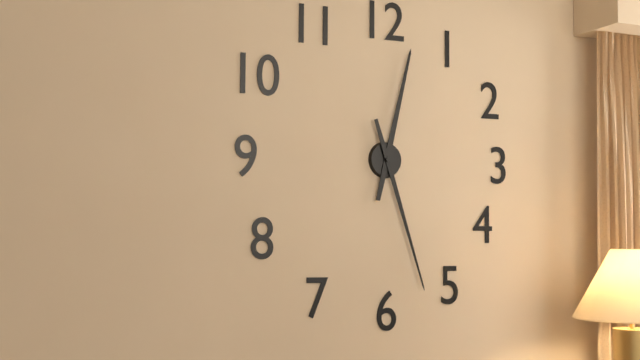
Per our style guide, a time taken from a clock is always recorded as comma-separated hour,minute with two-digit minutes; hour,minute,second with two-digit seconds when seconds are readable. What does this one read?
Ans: 12,27
